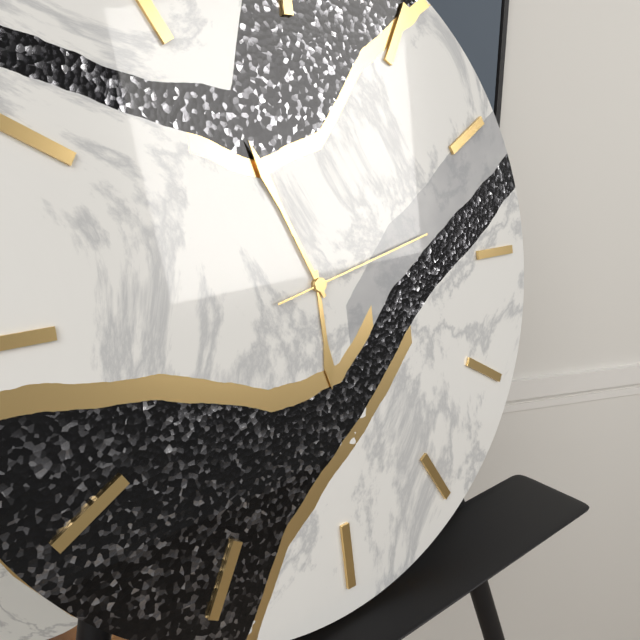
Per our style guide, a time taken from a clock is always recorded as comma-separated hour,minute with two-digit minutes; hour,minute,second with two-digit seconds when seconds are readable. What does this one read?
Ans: 5,56,13
